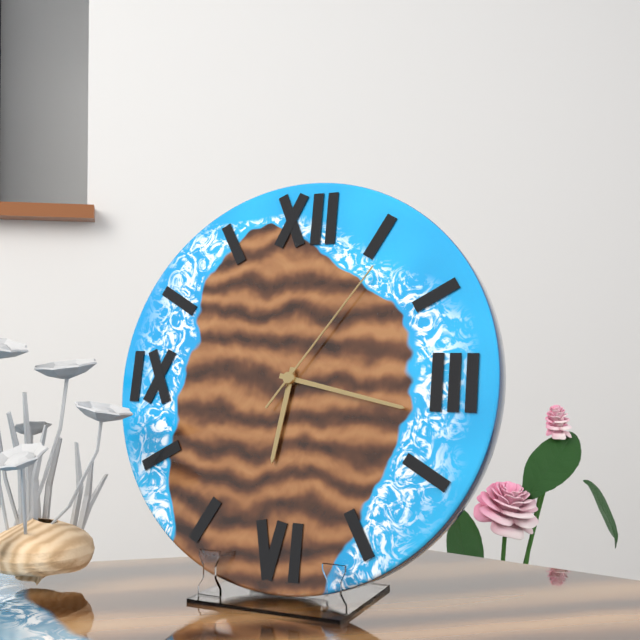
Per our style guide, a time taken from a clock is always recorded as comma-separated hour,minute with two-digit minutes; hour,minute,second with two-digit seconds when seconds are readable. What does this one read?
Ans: 6,17,06
